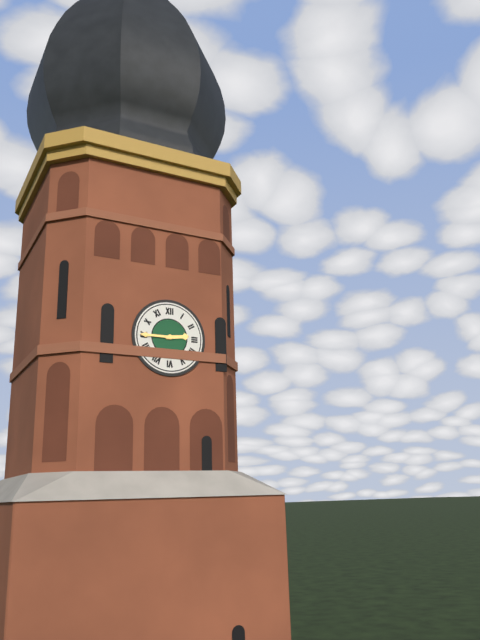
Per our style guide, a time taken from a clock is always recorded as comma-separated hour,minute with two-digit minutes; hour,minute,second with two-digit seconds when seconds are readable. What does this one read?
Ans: 2,45
